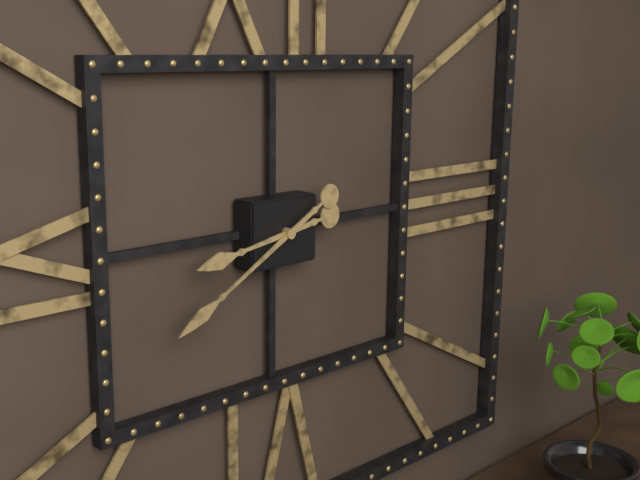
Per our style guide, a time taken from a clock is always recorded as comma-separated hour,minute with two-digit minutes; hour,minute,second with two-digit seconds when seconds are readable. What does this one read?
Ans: 8,40
